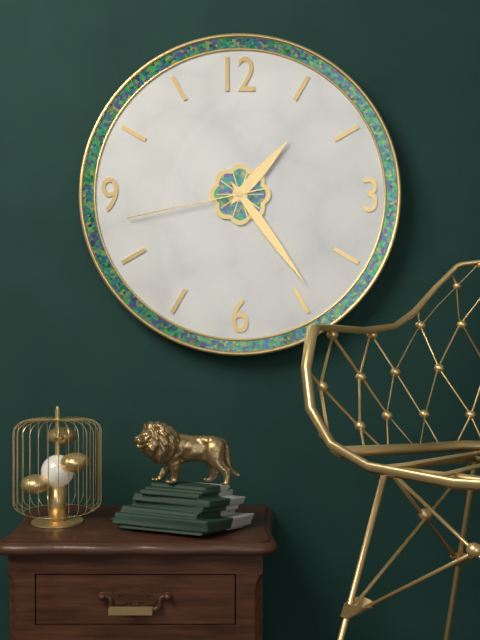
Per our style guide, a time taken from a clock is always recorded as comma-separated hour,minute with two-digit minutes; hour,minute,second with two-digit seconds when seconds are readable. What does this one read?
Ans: 1,24,43
